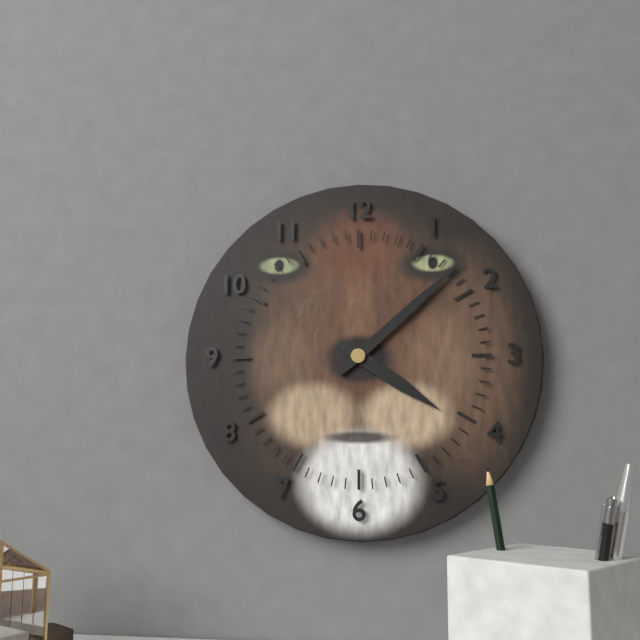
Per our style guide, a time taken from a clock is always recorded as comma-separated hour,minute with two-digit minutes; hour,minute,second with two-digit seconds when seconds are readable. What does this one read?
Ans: 4,08
